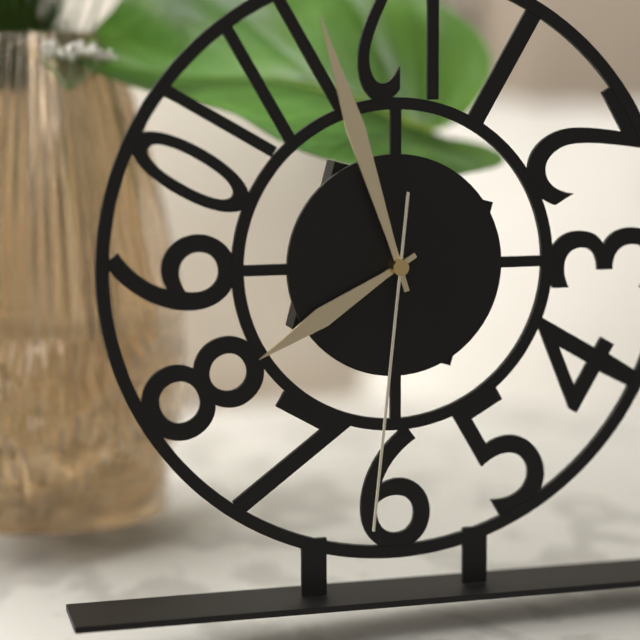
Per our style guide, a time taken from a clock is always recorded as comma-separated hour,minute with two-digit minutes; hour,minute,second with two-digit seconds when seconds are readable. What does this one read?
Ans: 7,57,31
